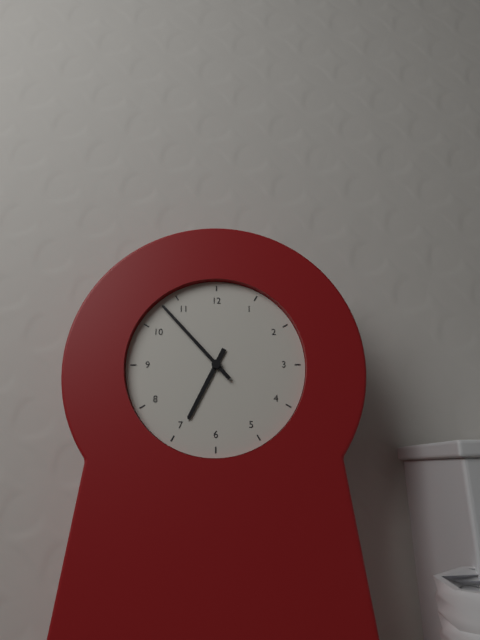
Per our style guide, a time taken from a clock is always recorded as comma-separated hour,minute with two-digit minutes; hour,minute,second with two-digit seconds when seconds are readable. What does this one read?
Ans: 6,53
